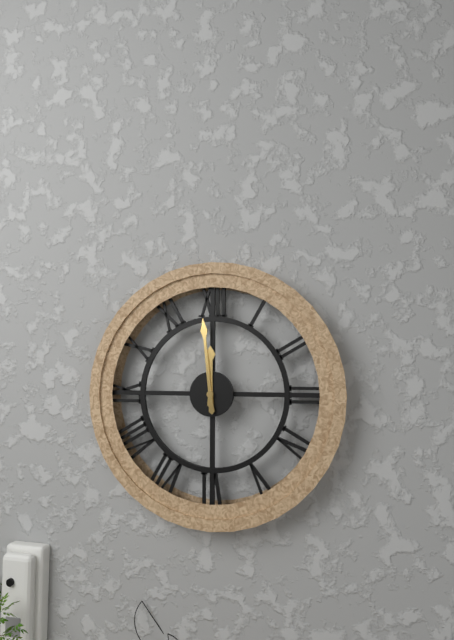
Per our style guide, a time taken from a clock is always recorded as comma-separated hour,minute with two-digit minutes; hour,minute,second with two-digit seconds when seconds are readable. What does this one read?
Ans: 11,59
